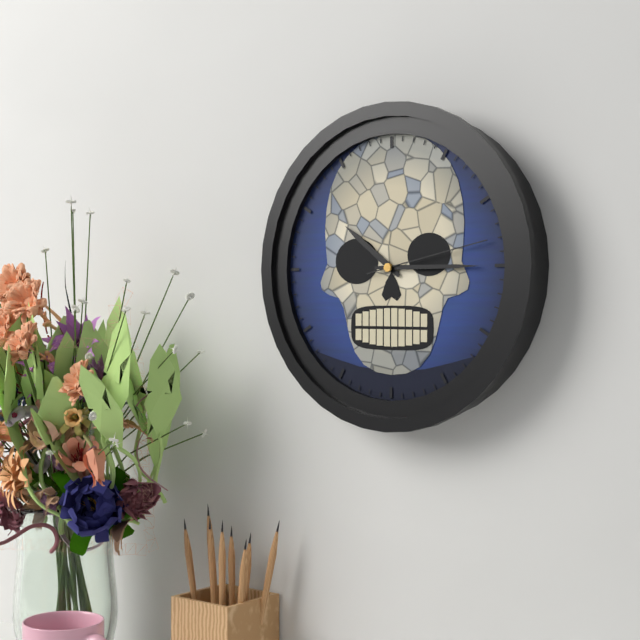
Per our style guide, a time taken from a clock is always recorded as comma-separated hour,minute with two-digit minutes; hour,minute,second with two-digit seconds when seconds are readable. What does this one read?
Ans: 10,15,13
